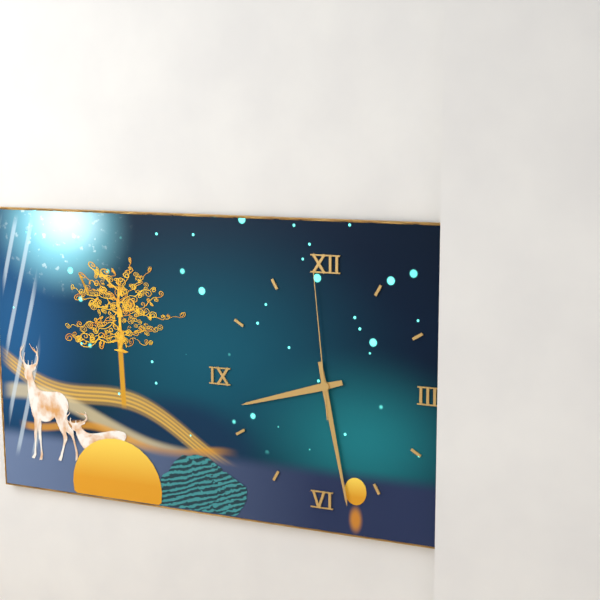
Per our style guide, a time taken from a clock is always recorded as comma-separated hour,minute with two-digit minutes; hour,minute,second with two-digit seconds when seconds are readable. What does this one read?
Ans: 8,28,59
